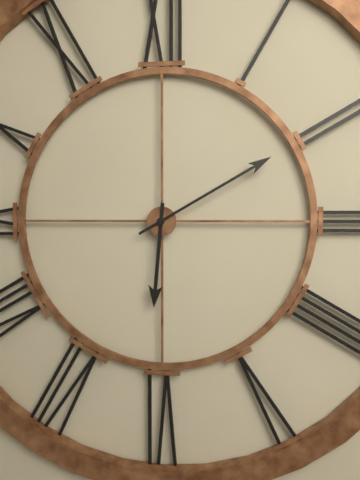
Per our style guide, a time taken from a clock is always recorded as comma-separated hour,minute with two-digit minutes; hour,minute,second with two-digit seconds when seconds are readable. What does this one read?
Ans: 6,10
